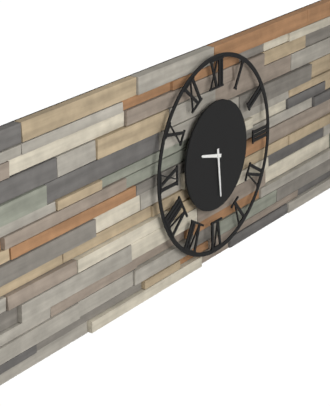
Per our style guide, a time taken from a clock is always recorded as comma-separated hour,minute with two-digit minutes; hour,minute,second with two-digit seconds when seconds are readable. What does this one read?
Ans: 9,29
